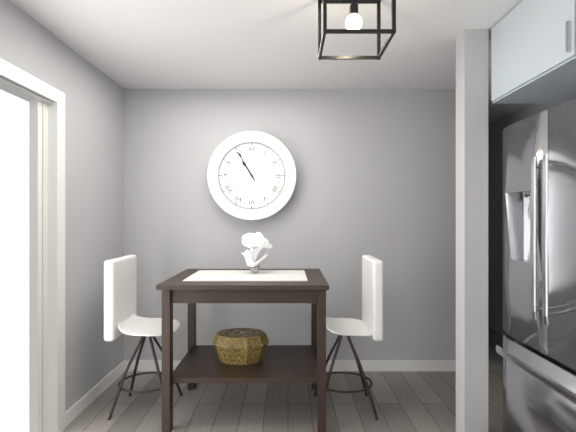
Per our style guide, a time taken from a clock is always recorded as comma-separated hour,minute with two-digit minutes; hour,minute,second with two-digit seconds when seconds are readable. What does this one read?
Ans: 10,55
